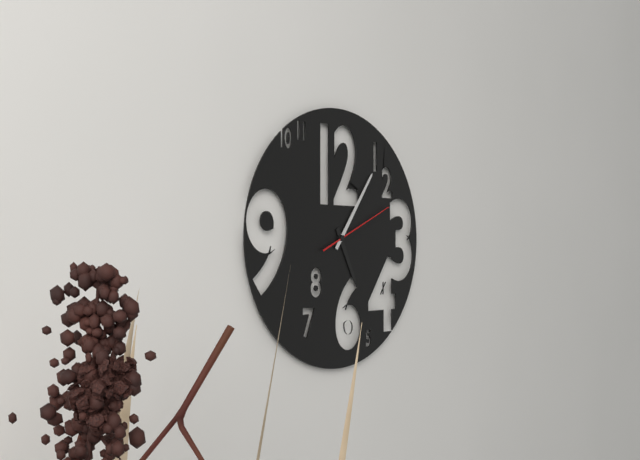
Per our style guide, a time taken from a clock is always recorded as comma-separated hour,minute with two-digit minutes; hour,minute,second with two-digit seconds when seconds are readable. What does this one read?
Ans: 5,06,11
